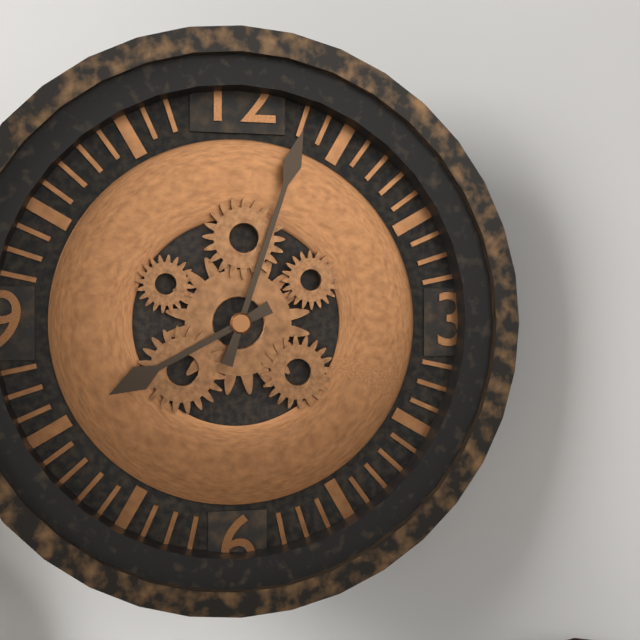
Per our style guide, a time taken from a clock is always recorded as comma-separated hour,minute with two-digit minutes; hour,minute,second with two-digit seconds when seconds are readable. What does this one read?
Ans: 8,03
